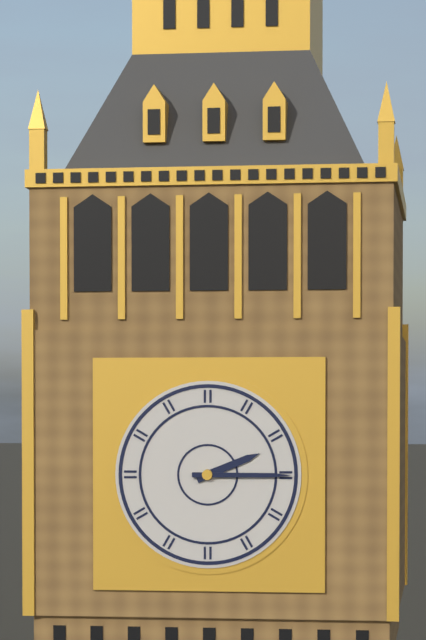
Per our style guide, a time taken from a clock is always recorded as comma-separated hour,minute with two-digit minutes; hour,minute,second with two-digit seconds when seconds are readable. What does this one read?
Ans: 2,15
